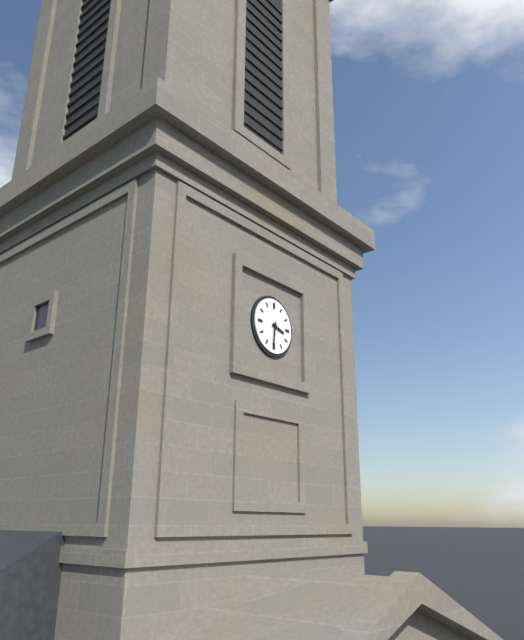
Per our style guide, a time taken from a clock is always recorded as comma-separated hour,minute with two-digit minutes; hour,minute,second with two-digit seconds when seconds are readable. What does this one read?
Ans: 3,31
